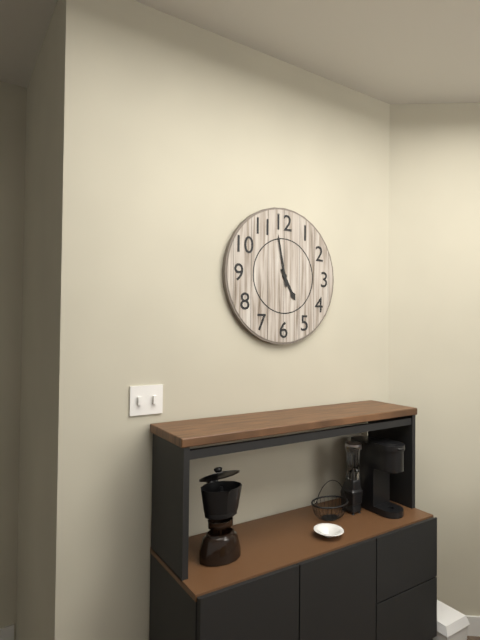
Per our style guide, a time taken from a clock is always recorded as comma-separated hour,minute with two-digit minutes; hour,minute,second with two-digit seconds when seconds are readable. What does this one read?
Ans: 4,58
